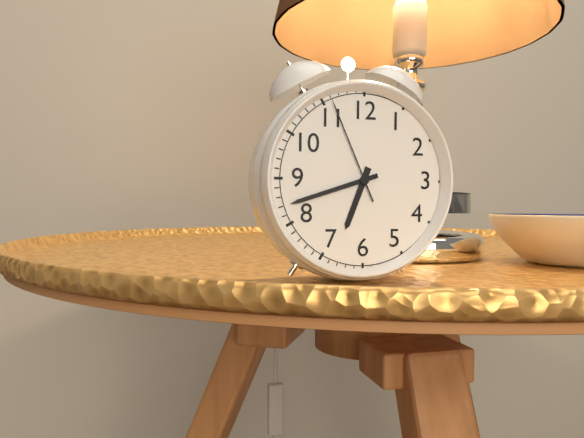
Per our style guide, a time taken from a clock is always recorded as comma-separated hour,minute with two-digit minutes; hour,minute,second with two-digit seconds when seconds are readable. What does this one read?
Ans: 6,42,56
